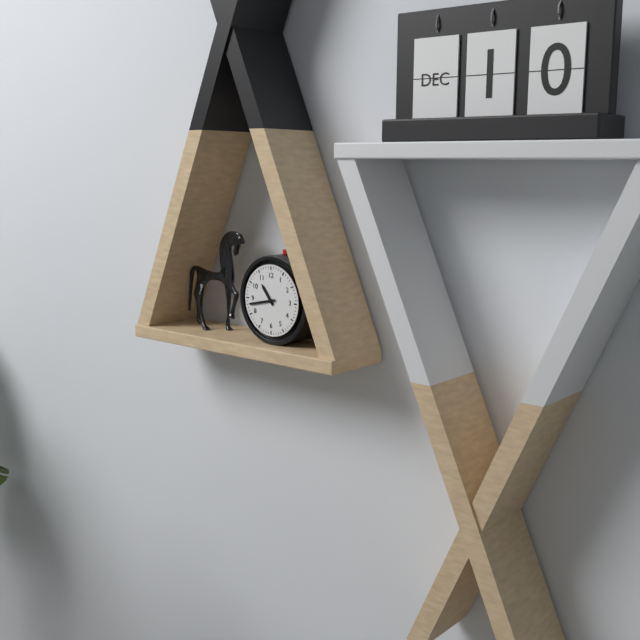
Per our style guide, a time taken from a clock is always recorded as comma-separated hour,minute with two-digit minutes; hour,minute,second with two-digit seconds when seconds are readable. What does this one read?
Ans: 10,43
